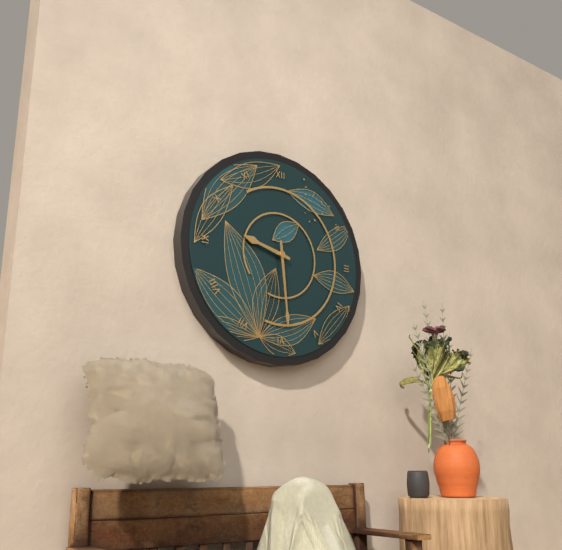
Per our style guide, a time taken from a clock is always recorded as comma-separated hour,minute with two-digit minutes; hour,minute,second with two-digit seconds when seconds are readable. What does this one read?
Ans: 9,29
